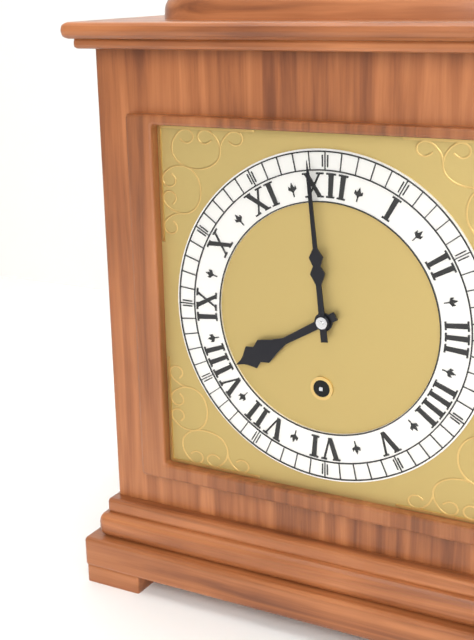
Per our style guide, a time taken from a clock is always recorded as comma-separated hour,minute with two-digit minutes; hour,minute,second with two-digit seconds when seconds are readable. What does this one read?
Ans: 7,59
